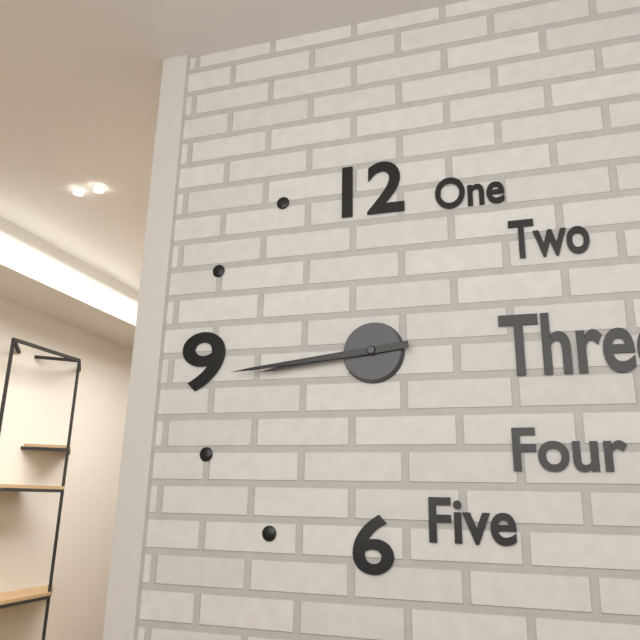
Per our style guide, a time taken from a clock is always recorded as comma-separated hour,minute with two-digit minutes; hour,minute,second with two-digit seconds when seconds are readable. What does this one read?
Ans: 8,44
